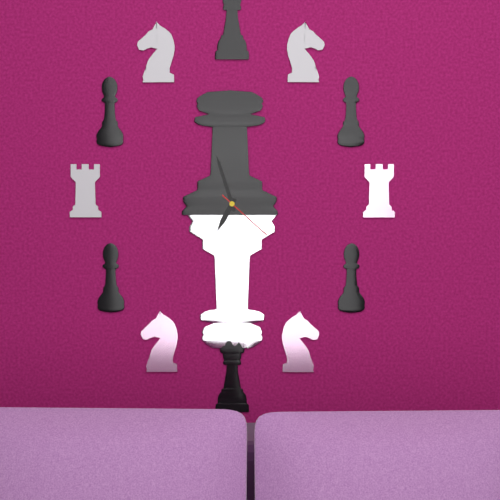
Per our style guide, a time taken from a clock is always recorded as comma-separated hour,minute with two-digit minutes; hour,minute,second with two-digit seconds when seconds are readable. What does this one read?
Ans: 6,57,22
